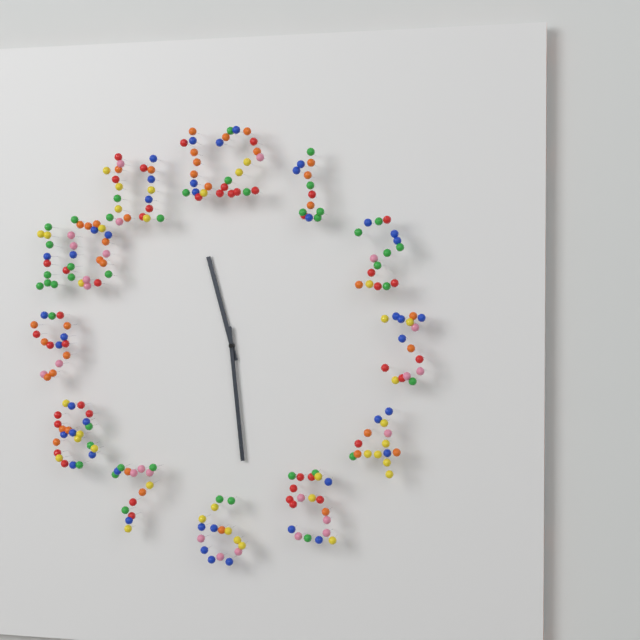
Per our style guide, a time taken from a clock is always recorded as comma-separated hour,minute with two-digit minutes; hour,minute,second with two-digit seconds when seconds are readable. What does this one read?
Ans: 11,29
